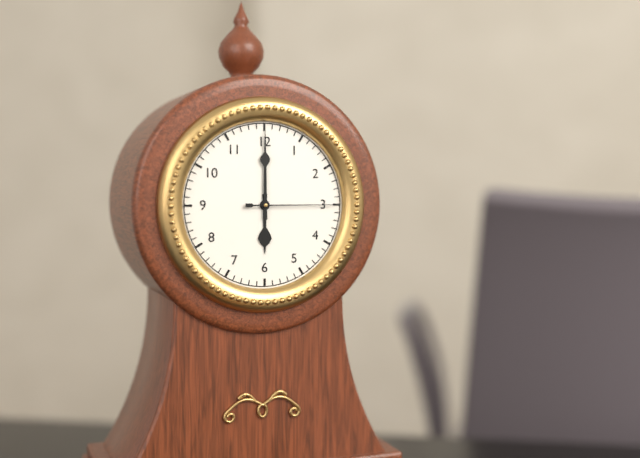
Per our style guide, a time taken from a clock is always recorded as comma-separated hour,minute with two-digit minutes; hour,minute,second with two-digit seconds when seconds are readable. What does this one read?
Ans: 6,00,15
